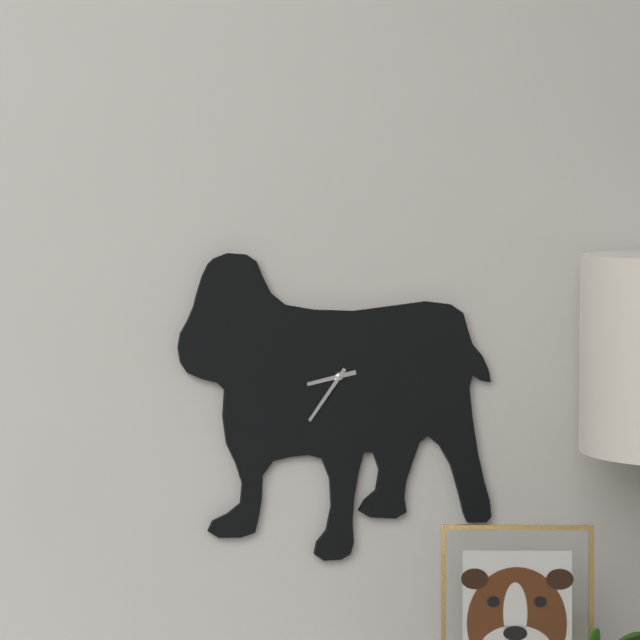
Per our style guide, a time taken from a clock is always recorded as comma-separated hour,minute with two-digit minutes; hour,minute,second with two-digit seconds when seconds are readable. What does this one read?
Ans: 8,36
